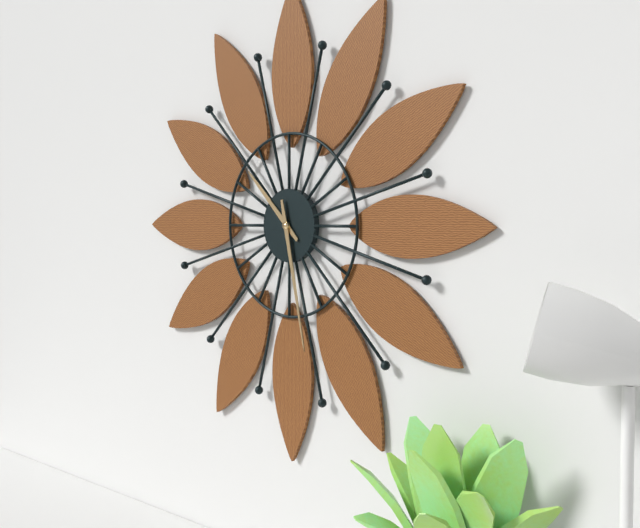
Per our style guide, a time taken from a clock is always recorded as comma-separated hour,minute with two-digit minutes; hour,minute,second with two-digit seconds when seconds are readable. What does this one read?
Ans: 10,28
